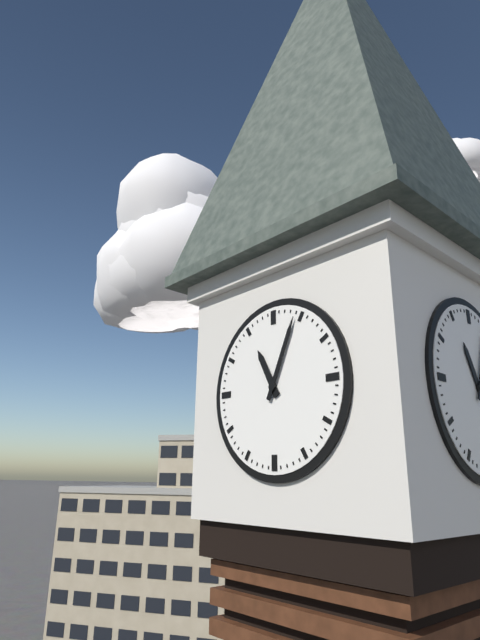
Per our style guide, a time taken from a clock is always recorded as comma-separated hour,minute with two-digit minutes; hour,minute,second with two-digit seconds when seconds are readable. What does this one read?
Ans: 11,04
